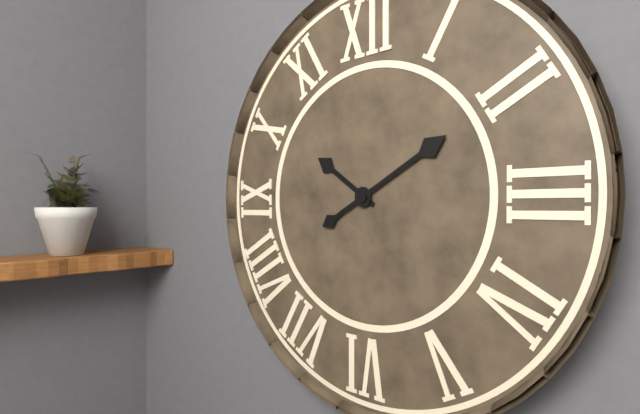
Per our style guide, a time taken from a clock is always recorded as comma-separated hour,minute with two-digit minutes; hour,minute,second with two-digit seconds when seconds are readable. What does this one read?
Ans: 10,10
